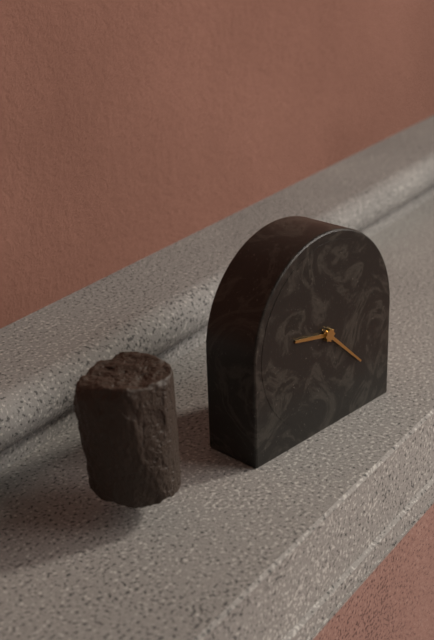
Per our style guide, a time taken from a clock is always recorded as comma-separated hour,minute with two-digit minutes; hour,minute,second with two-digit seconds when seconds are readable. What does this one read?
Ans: 9,22
